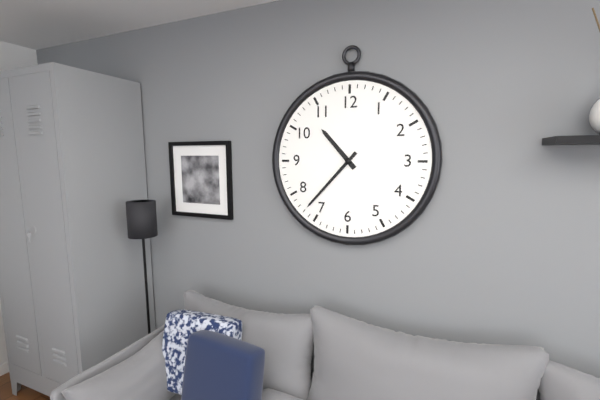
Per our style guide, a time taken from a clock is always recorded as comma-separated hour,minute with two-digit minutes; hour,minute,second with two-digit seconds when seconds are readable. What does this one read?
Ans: 10,37
